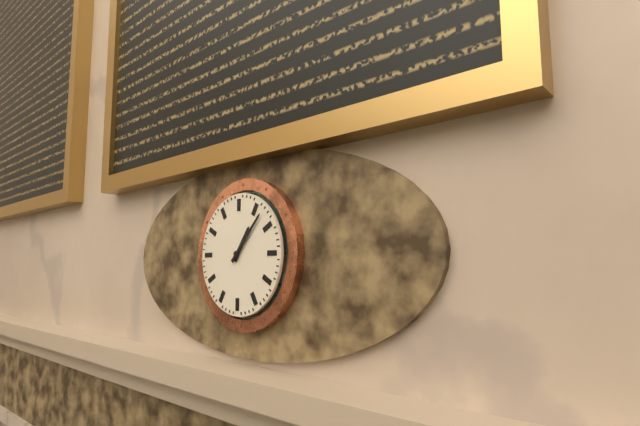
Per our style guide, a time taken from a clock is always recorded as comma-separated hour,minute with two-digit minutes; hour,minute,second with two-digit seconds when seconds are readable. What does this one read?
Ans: 1,07
